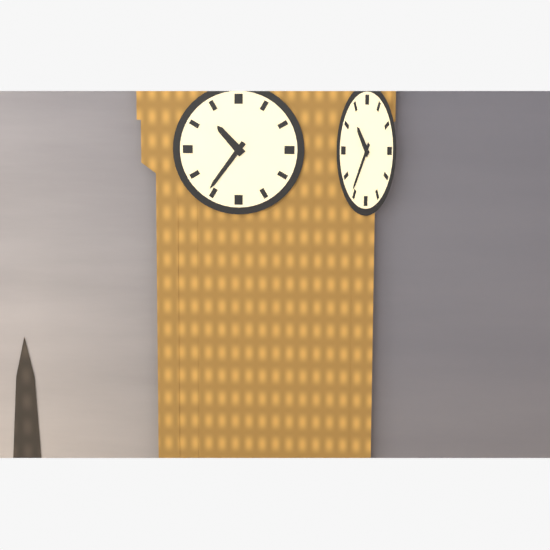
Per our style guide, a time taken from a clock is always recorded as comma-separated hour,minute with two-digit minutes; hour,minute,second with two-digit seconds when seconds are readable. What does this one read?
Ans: 10,36
